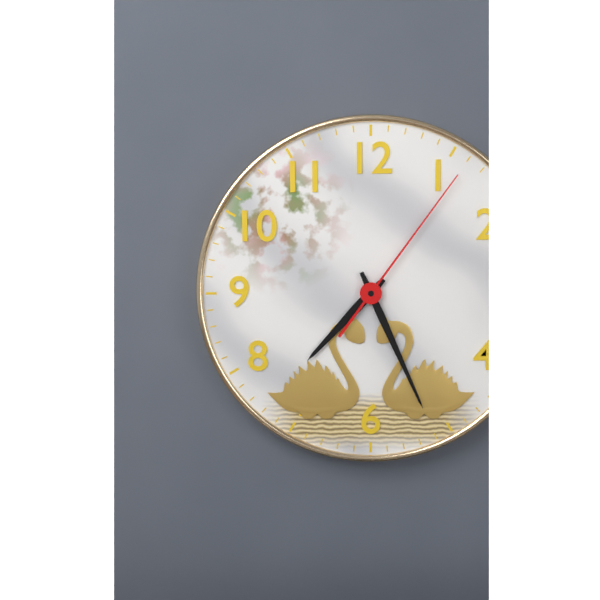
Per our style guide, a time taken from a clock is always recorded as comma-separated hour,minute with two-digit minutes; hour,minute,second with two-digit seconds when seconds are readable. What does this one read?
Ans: 7,26,06
